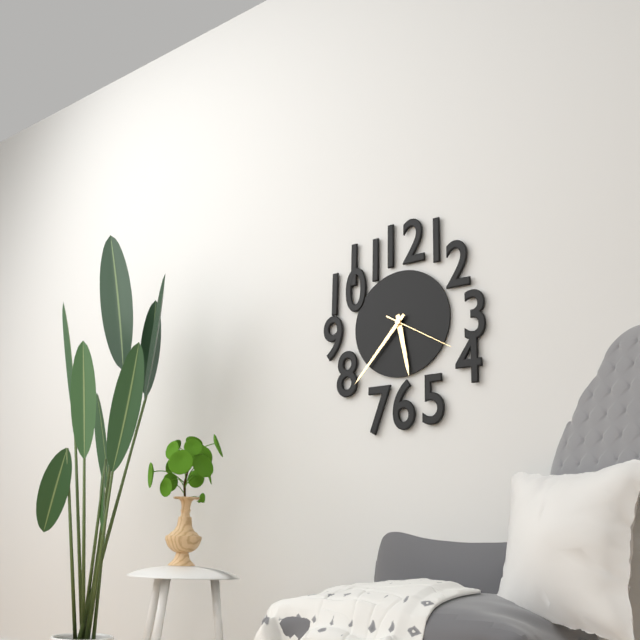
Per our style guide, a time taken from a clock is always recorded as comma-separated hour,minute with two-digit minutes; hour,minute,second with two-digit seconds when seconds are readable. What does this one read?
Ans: 5,37,20
